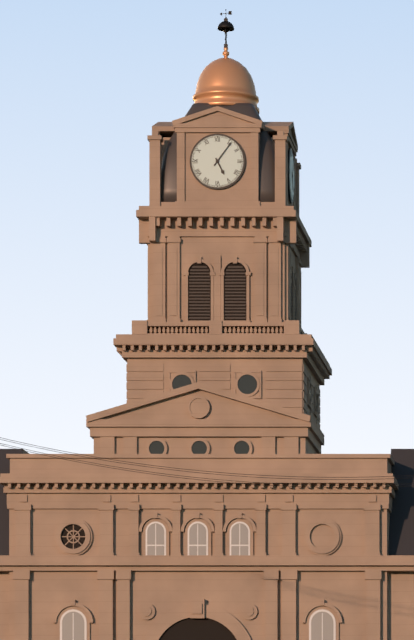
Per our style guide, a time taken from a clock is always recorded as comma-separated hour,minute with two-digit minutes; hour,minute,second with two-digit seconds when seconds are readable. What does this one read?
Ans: 5,06
